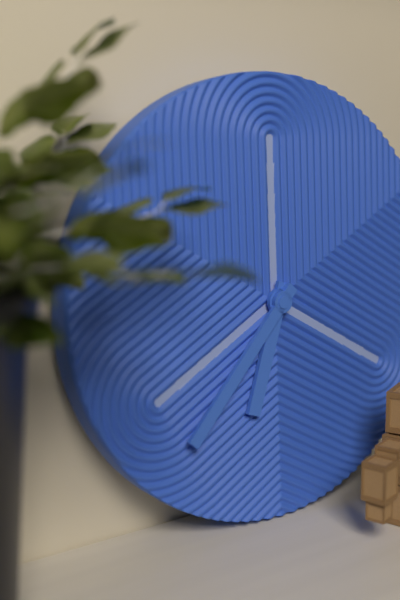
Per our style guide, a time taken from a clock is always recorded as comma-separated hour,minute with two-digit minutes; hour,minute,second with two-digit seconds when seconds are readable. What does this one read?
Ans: 6,37
